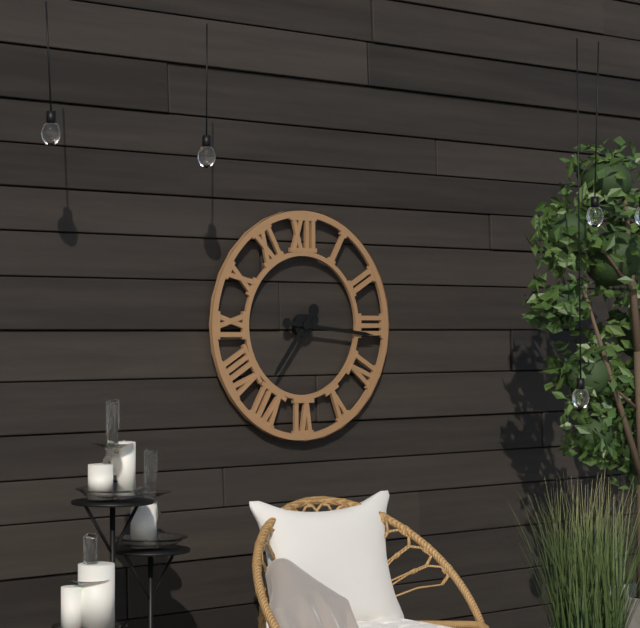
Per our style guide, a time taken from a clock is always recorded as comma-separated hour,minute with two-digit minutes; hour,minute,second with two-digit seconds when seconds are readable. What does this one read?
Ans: 7,16
